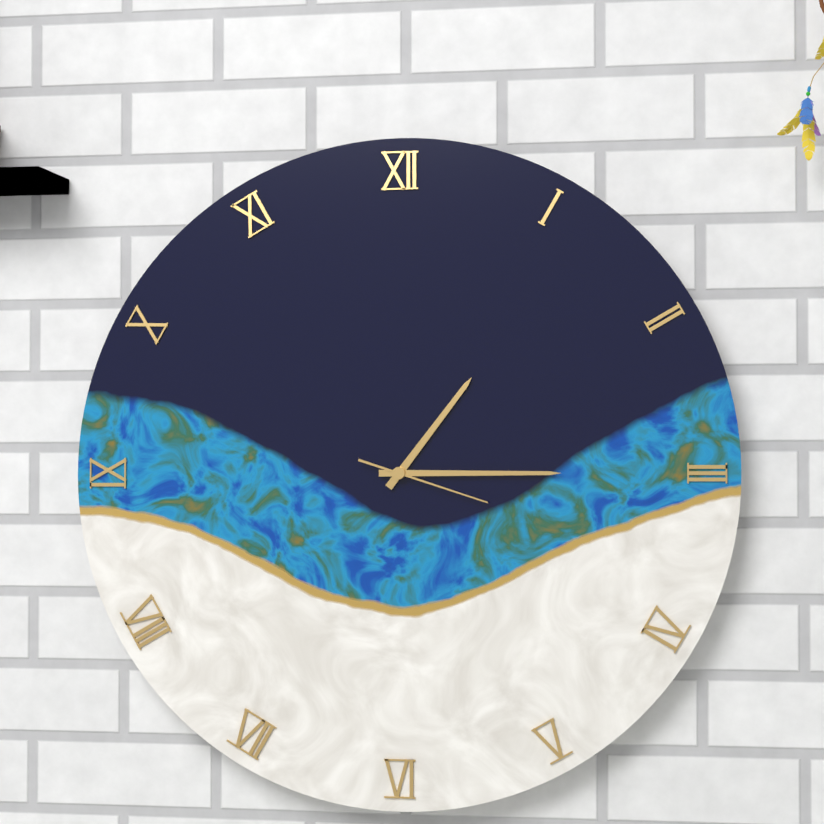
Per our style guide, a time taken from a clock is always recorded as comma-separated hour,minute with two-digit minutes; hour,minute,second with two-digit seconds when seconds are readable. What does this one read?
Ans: 1,15,18
